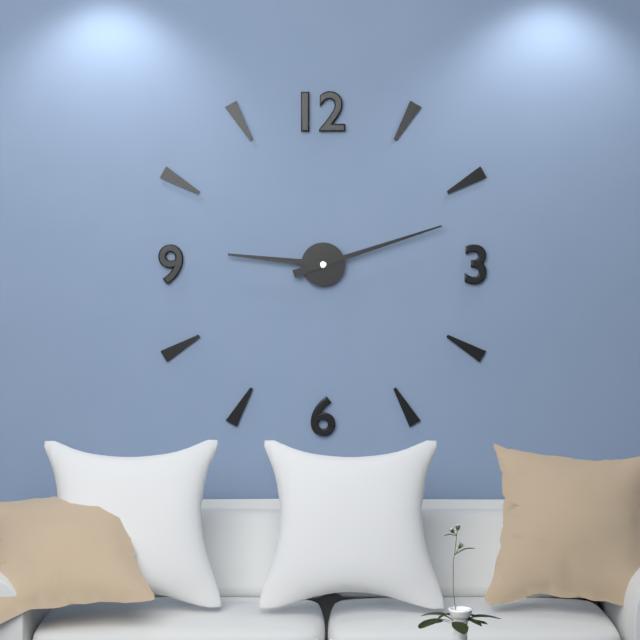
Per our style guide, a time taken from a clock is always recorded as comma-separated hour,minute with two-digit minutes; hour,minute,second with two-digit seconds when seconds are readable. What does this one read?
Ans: 9,12
